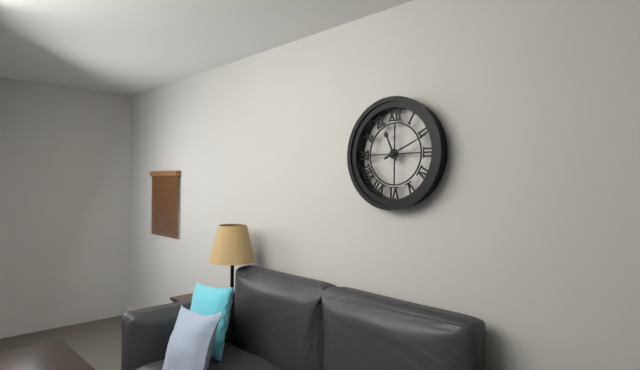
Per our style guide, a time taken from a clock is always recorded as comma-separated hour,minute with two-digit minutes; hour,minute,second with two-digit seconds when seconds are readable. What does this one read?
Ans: 11,11
